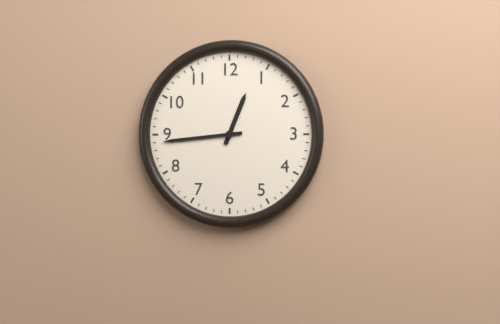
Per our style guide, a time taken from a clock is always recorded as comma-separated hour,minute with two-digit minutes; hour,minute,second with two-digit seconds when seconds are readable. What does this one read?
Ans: 12,44
